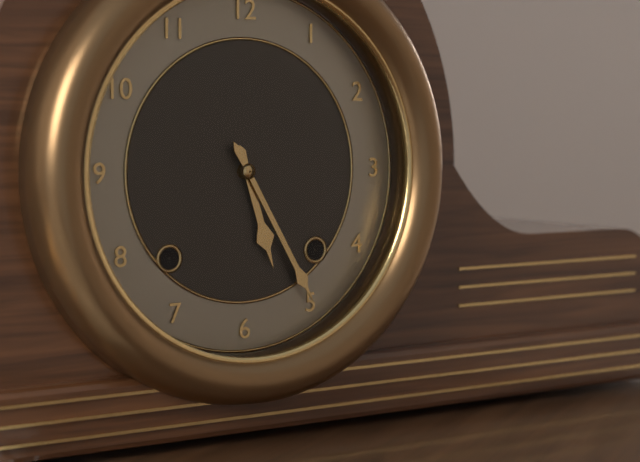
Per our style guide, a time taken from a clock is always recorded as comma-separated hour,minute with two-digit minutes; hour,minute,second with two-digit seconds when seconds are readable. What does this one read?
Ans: 5,25
